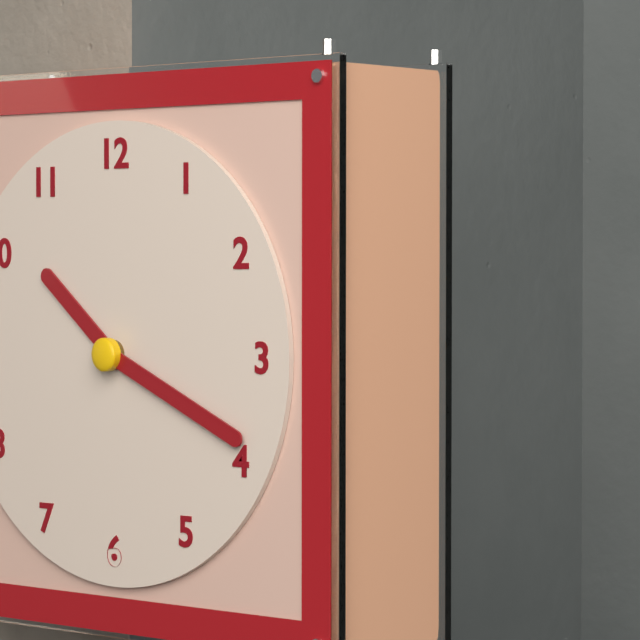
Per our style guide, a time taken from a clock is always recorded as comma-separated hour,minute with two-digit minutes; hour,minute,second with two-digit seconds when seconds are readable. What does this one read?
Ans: 10,19
